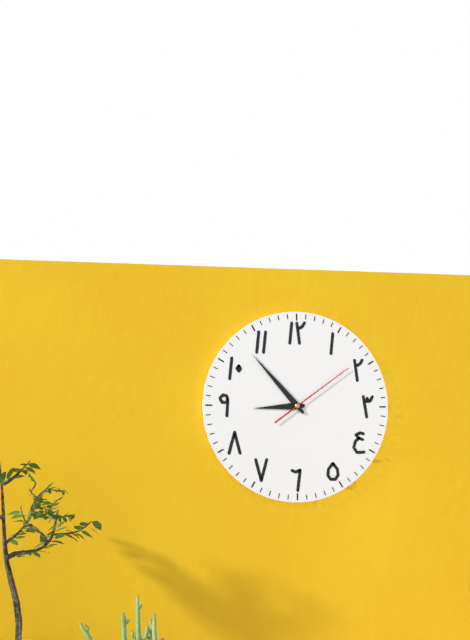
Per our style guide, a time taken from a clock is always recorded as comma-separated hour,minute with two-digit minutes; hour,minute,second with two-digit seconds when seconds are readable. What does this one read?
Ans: 8,53,09
